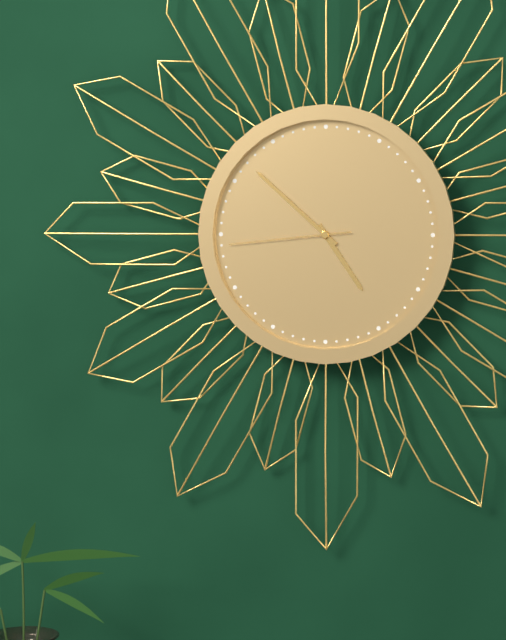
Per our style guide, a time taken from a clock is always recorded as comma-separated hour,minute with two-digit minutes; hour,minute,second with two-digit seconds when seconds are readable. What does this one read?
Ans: 4,52,44
